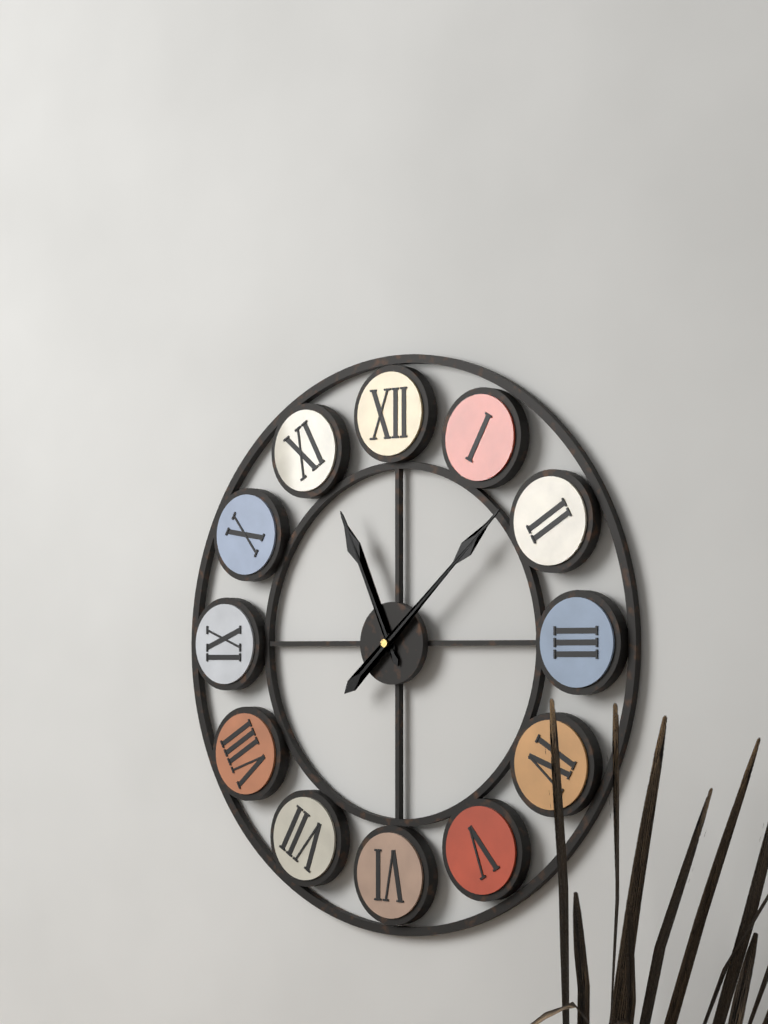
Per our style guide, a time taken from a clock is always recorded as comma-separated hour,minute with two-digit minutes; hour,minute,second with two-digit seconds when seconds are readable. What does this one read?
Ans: 11,08
